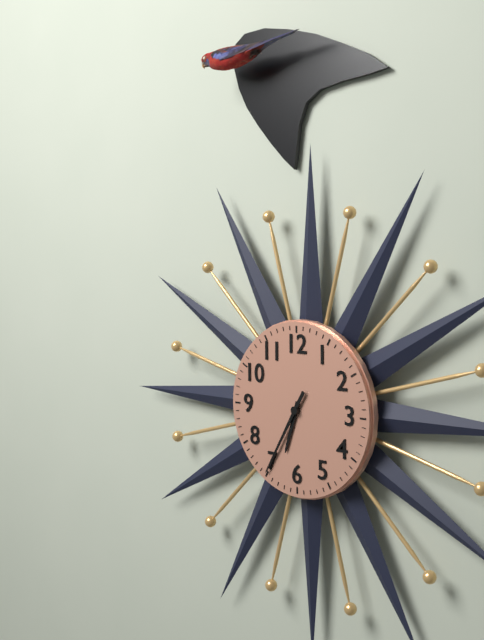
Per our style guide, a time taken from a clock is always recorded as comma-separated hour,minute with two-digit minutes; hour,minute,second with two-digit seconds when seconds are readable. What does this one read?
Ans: 6,35
